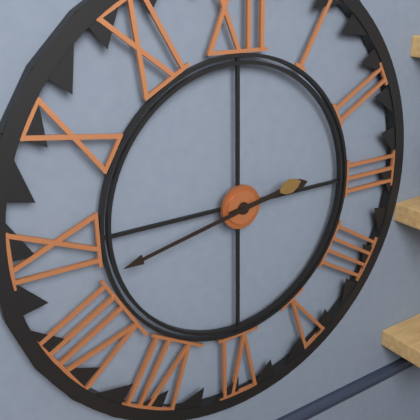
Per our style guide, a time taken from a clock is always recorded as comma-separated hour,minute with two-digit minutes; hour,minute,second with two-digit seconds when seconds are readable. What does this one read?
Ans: 2,43
